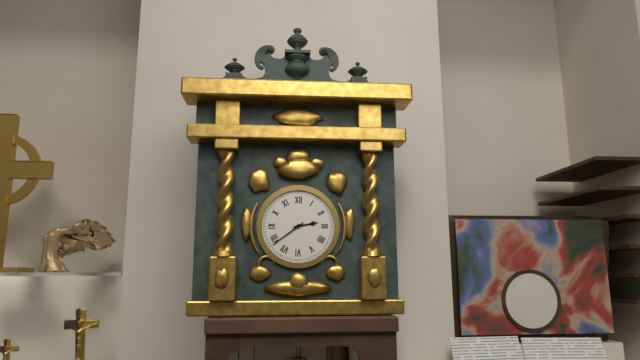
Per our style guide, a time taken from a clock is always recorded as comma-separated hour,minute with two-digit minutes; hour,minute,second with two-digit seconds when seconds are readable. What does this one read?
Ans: 2,39
